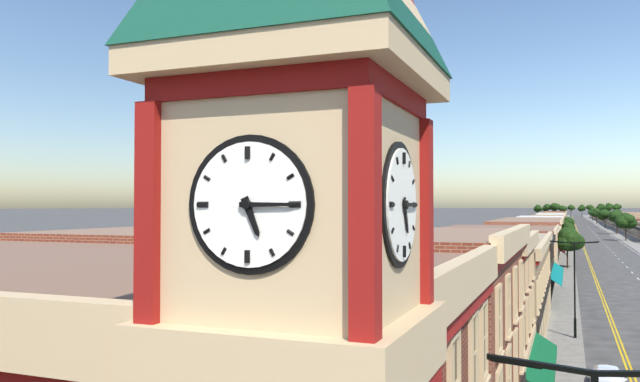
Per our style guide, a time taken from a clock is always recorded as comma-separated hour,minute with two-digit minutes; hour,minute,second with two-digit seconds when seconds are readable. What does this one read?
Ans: 5,15
